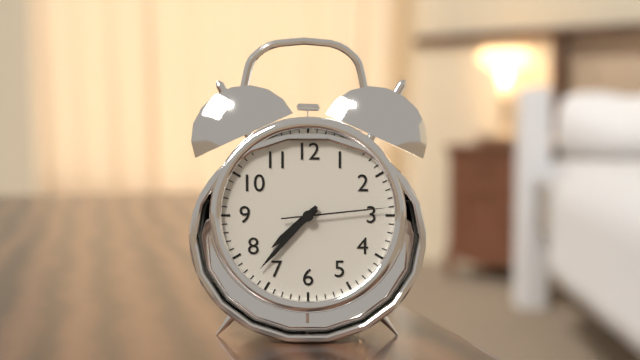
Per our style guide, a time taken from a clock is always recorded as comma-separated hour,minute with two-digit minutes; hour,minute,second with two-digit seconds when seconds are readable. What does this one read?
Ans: 7,37,14
